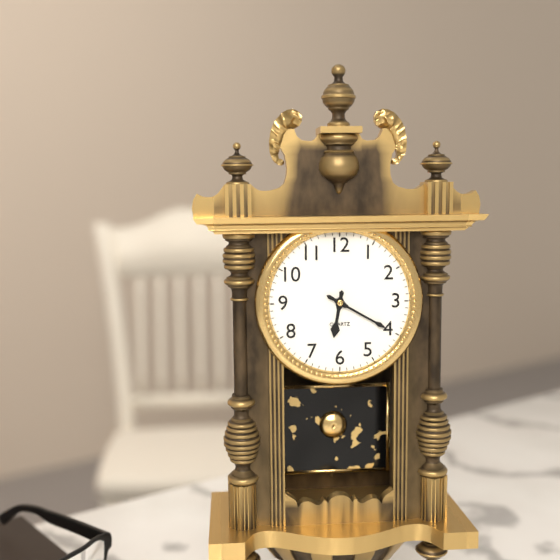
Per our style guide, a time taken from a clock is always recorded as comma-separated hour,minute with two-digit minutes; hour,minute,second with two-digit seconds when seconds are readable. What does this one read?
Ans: 6,20
